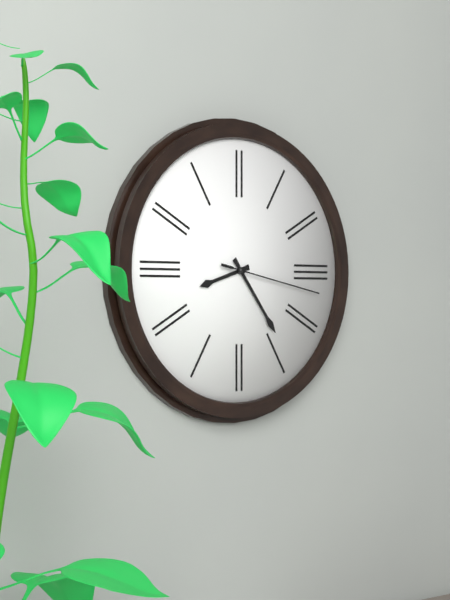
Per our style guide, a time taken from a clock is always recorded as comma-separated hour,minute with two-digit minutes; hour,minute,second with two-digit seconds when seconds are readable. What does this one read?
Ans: 8,24,17
